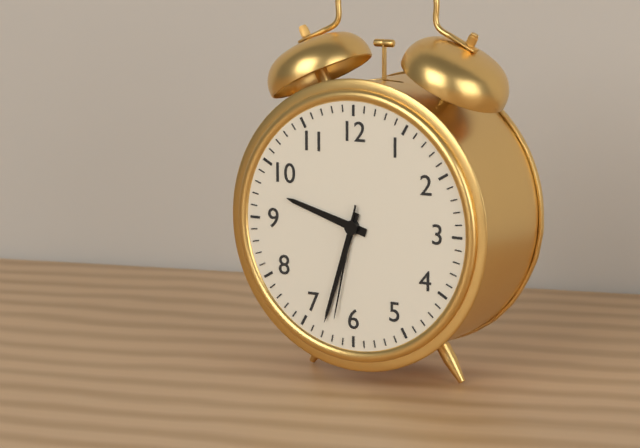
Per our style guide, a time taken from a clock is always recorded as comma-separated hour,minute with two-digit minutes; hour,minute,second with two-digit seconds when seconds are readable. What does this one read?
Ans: 9,33,32
